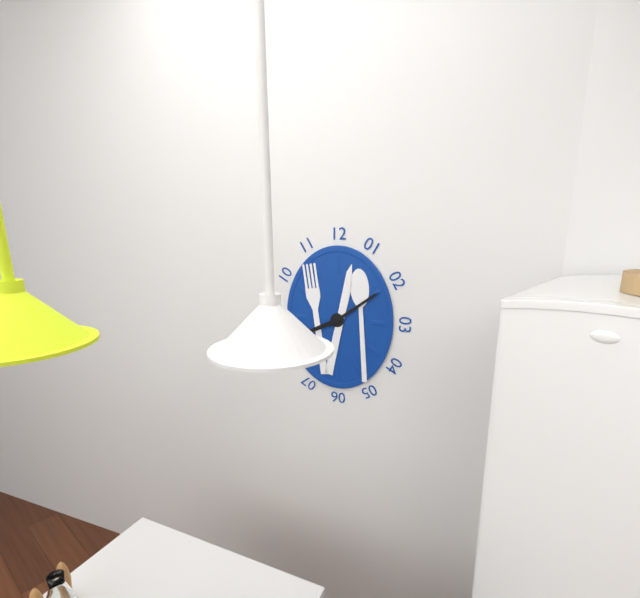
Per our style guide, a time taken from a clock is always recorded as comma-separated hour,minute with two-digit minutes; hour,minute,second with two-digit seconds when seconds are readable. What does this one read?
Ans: 8,09
